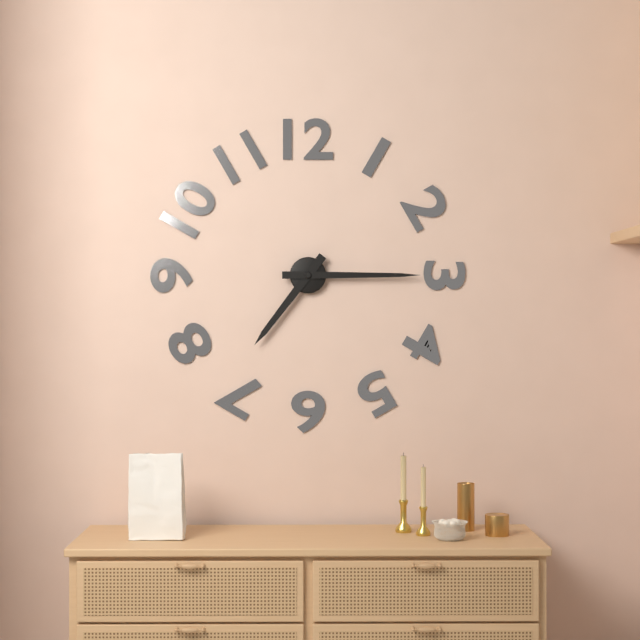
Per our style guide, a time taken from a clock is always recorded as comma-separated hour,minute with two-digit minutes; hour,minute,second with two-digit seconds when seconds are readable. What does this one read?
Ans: 7,15
